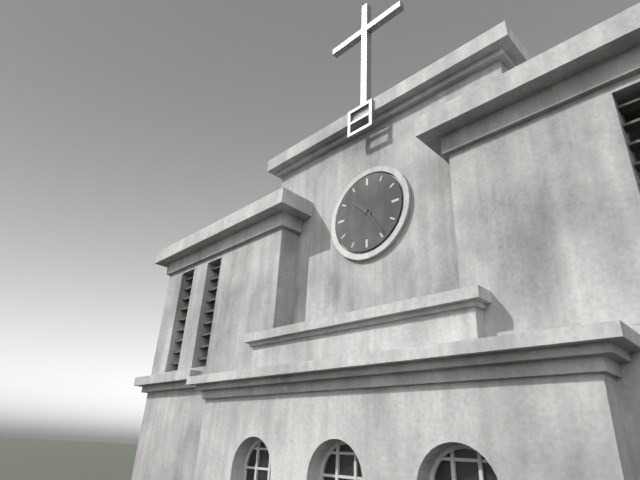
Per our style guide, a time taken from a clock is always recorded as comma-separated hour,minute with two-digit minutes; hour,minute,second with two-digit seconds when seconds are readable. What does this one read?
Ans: 10,24
